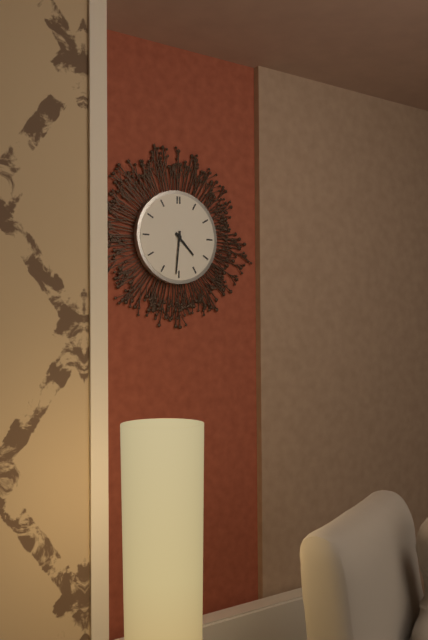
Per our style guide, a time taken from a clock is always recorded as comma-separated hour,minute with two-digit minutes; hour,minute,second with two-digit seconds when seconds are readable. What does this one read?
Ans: 4,31
